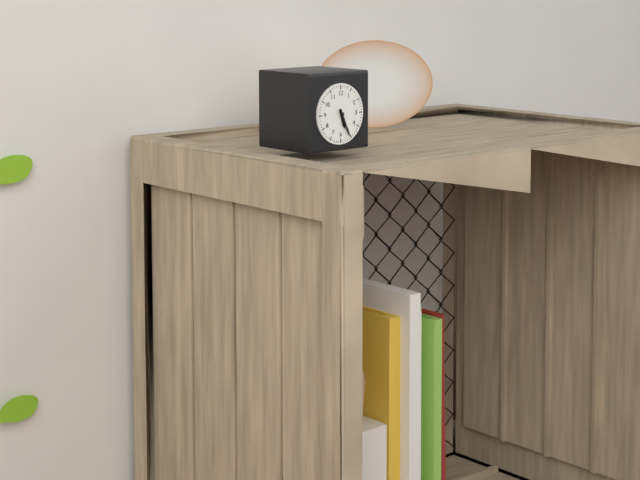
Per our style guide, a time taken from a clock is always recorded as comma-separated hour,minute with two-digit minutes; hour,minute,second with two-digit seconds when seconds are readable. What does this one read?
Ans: 5,26
